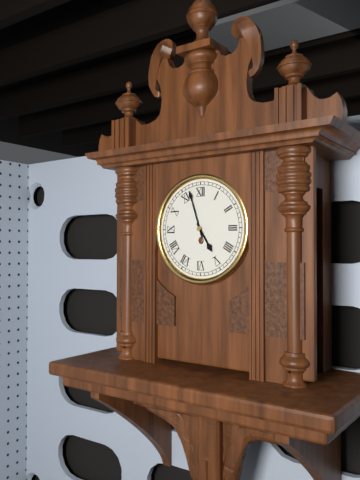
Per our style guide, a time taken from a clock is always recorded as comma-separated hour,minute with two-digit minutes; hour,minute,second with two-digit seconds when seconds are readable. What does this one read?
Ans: 4,57
